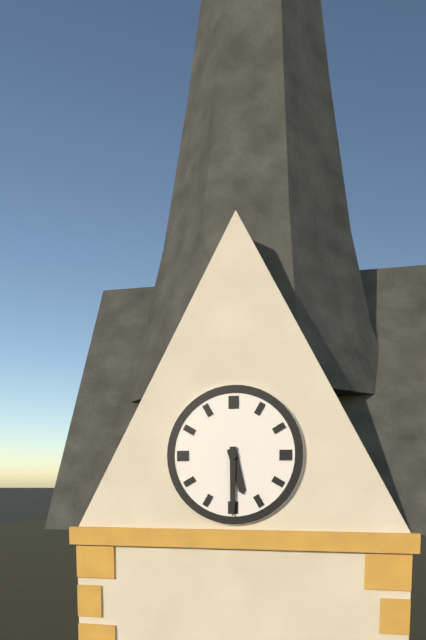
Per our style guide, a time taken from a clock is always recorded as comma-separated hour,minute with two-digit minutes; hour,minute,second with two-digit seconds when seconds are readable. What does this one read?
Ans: 5,30
